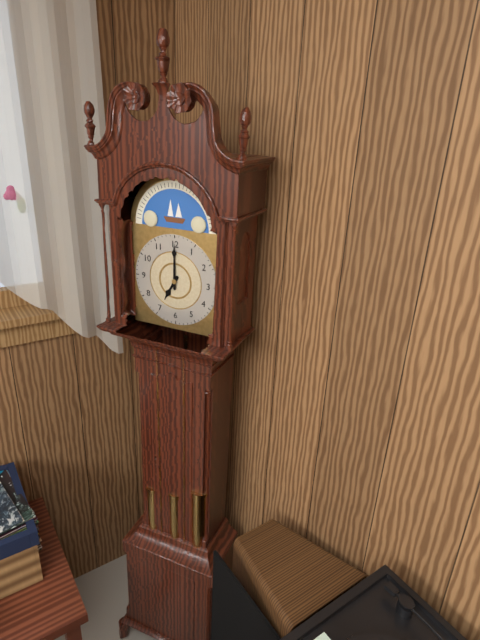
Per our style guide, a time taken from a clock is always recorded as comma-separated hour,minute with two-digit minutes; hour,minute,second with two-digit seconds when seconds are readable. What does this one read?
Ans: 7,00
